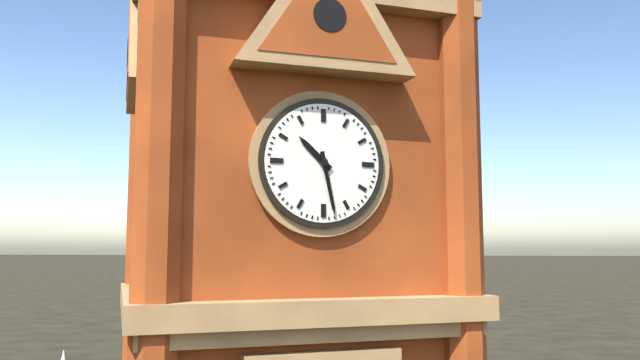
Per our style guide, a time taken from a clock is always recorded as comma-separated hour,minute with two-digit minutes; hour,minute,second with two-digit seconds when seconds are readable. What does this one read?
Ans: 10,28
